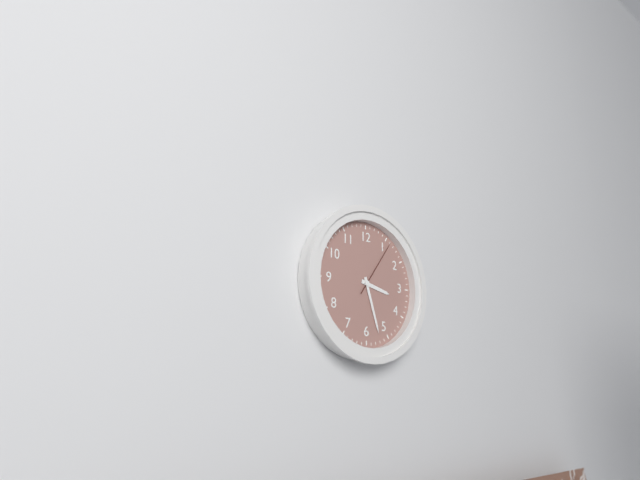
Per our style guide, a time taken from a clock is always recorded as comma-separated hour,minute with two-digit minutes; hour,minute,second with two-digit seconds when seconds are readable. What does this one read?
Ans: 3,27,06
